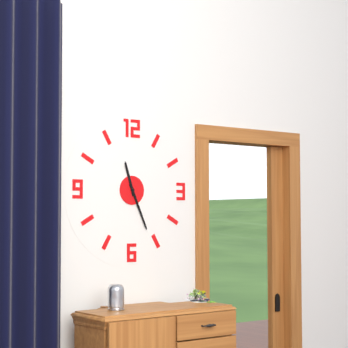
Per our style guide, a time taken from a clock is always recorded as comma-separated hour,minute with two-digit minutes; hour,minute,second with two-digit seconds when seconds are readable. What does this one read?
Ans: 11,26
